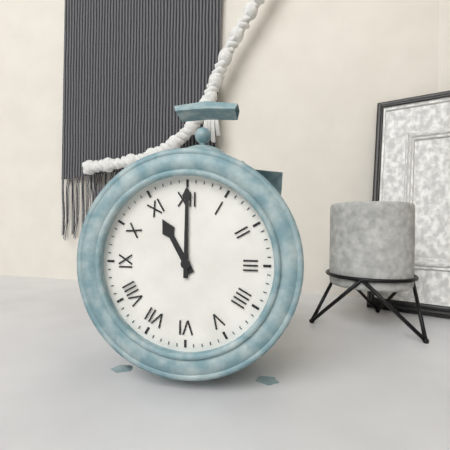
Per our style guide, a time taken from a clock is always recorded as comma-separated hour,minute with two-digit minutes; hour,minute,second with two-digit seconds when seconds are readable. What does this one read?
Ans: 11,00
